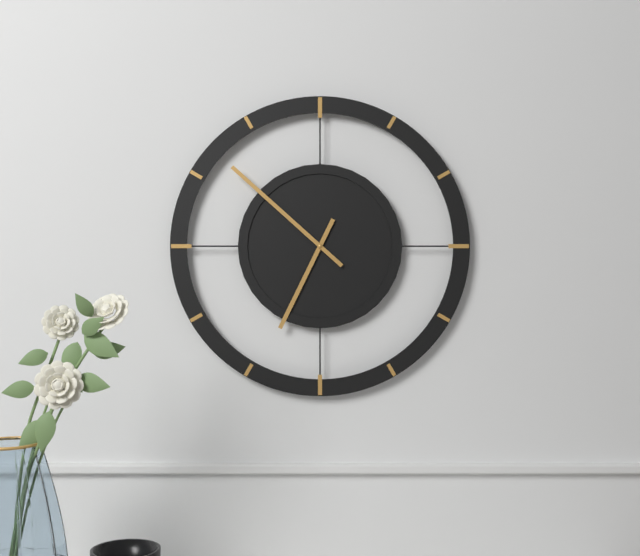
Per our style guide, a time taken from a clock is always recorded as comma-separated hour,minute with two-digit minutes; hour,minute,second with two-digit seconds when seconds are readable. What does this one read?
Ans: 6,52
